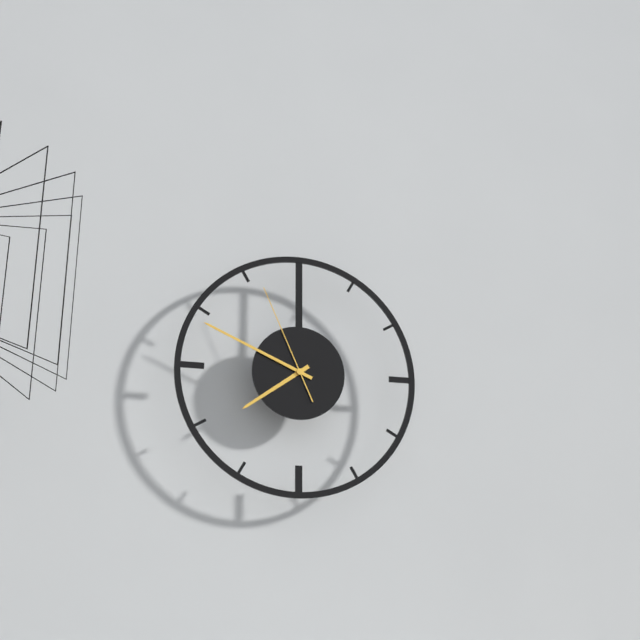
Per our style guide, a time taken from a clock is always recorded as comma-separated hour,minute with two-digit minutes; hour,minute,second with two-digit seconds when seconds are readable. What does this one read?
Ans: 7,49,56
